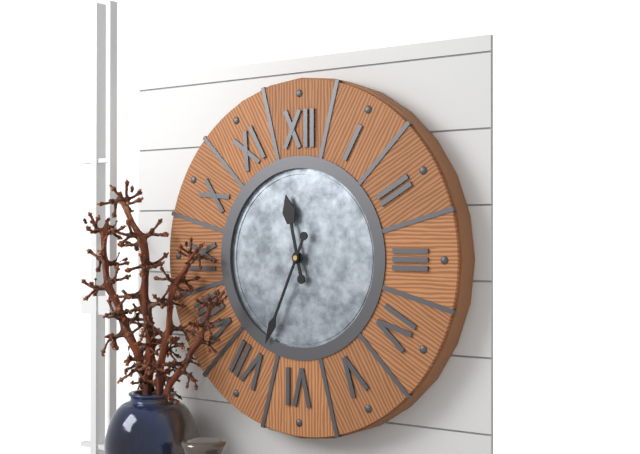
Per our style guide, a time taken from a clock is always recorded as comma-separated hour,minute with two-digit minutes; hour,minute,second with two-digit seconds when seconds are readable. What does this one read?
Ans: 11,34
